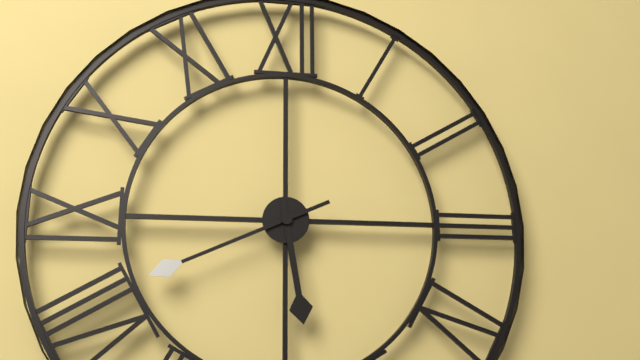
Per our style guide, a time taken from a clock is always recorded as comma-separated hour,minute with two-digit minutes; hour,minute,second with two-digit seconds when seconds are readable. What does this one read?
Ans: 5,41
